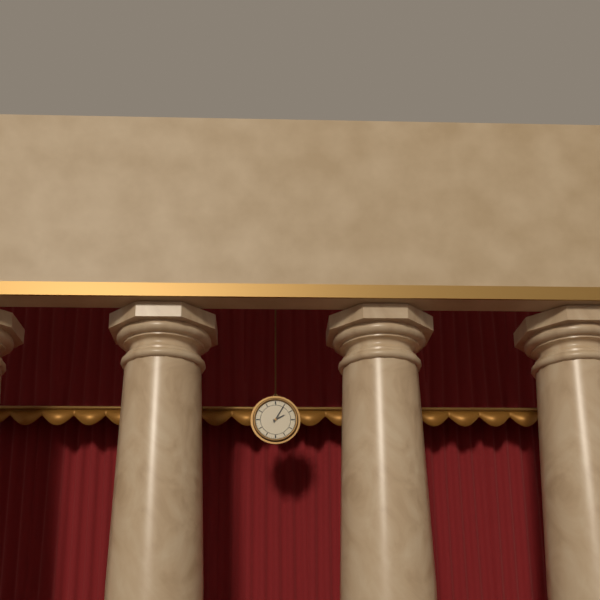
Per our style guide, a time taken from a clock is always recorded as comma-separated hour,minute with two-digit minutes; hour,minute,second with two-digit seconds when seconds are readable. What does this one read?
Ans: 2,05
